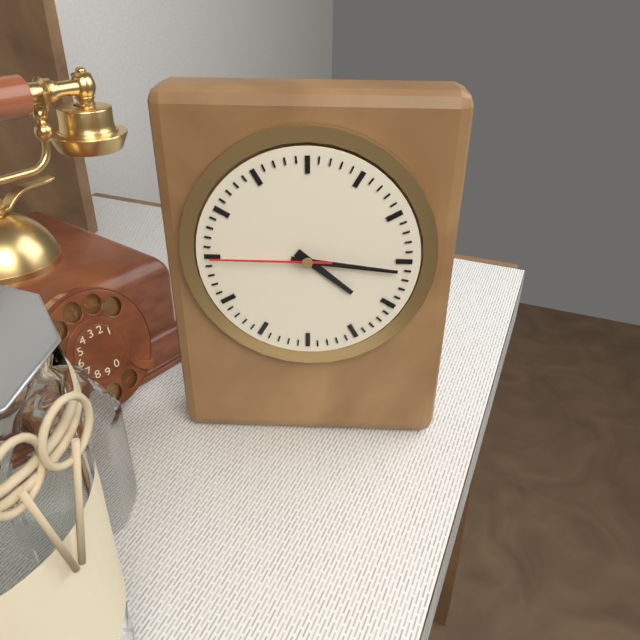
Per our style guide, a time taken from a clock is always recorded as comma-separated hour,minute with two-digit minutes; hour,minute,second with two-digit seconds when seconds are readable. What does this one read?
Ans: 4,16,45
